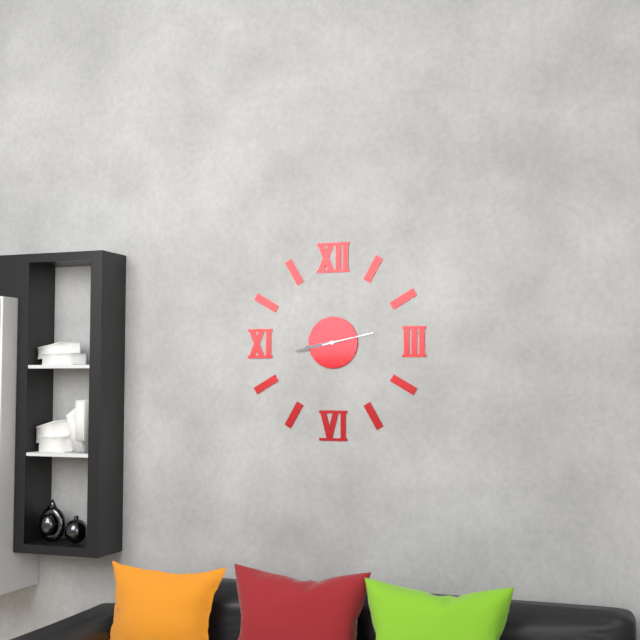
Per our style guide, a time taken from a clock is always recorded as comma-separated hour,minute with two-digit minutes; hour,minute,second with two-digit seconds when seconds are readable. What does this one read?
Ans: 8,43,13
